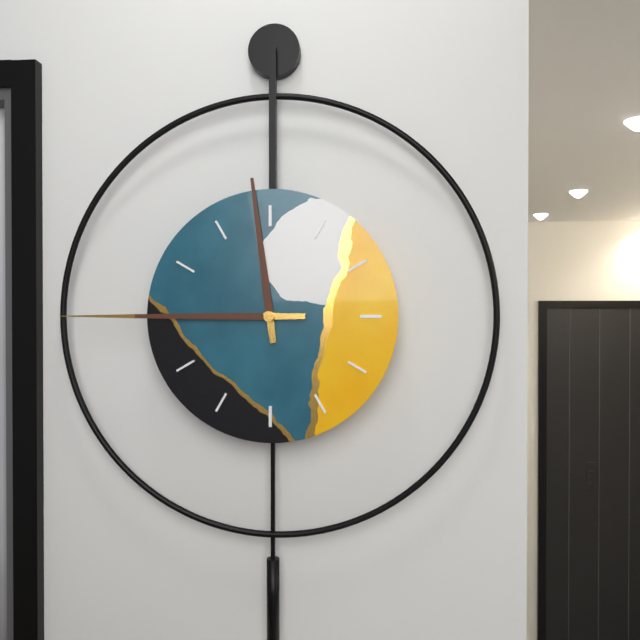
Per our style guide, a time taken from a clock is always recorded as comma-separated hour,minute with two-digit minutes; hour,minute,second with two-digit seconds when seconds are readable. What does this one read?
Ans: 11,45
